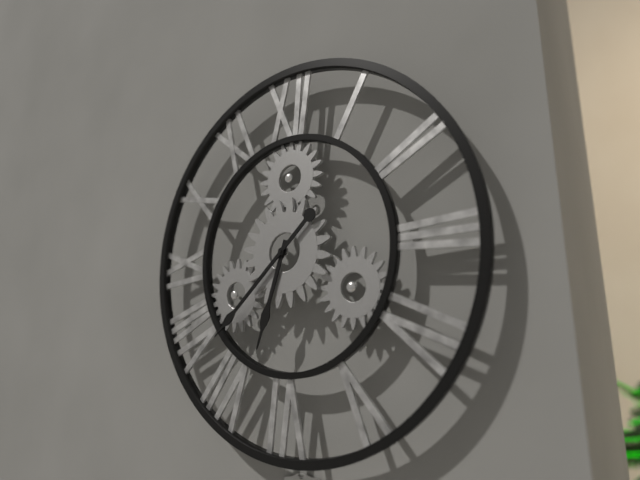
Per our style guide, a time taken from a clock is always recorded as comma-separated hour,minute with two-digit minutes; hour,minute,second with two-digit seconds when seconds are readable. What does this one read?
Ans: 6,38
